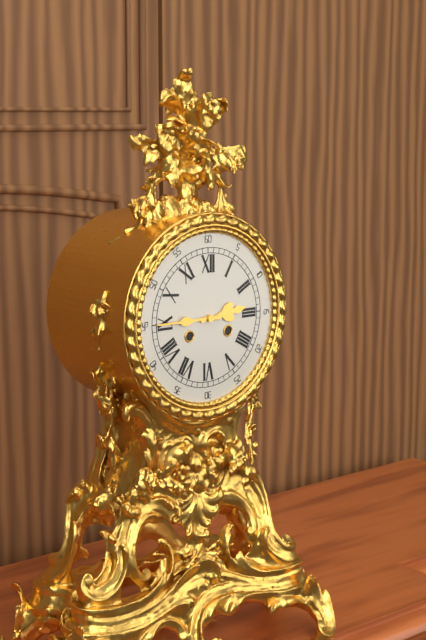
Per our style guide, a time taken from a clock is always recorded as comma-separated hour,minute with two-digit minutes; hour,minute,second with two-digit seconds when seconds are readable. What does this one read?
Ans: 2,45
